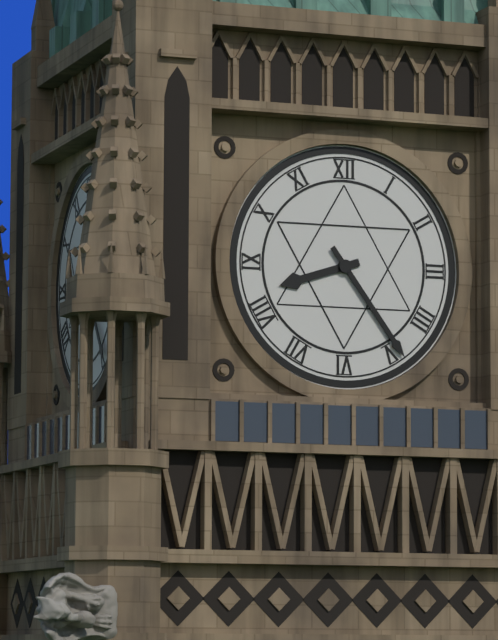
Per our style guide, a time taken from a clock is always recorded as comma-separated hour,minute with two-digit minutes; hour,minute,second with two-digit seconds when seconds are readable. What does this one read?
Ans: 8,24
